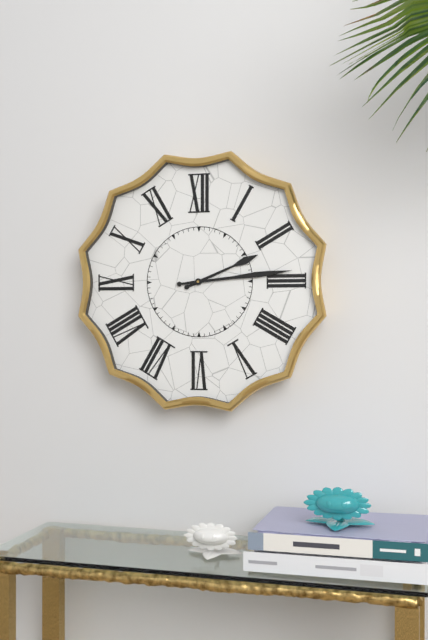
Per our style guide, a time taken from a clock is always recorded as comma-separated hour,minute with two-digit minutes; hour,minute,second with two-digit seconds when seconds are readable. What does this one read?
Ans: 2,14
